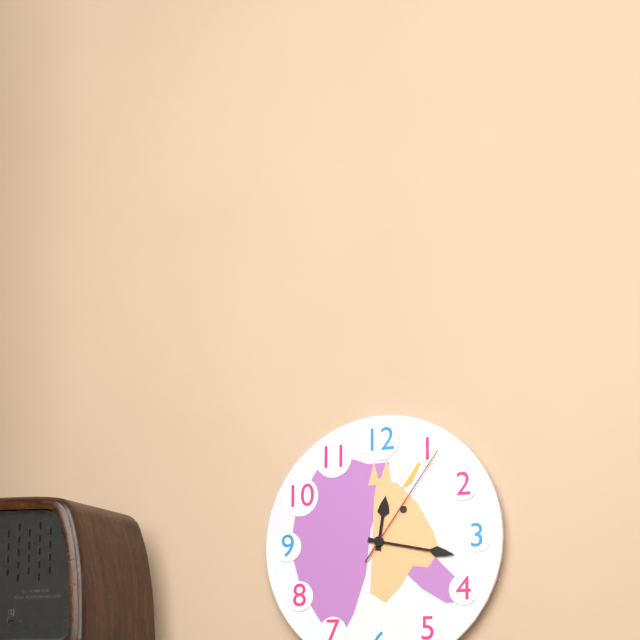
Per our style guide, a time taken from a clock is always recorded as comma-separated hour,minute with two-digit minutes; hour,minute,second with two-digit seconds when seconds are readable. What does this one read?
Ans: 12,17,06
